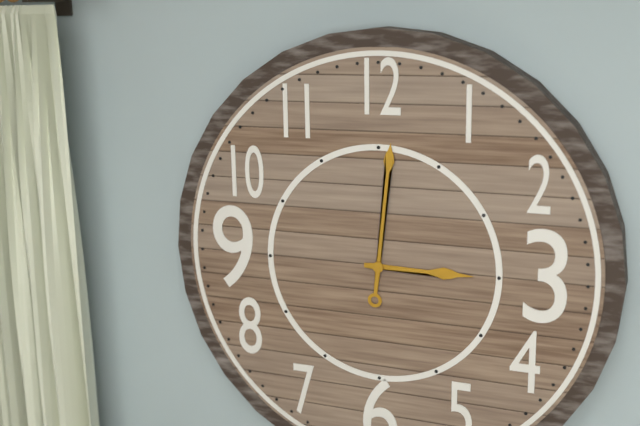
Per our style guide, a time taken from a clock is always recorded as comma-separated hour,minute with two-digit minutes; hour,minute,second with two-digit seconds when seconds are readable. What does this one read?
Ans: 3,01
